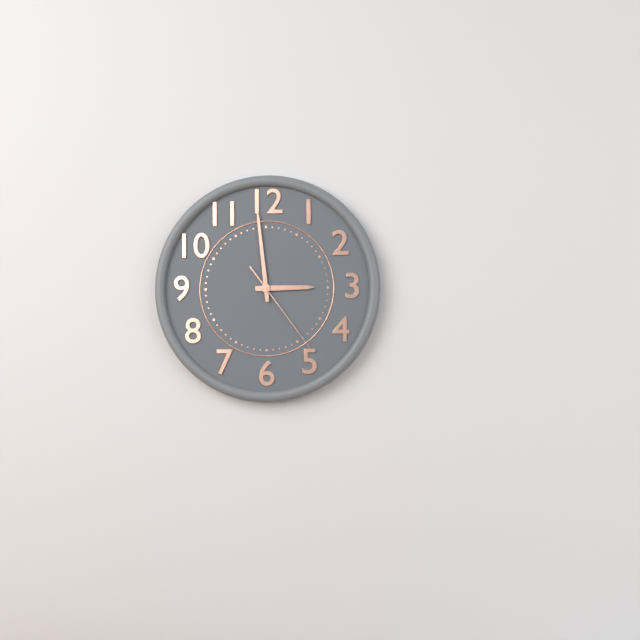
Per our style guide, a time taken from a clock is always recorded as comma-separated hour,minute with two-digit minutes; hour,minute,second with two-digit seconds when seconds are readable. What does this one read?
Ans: 2,59,24
